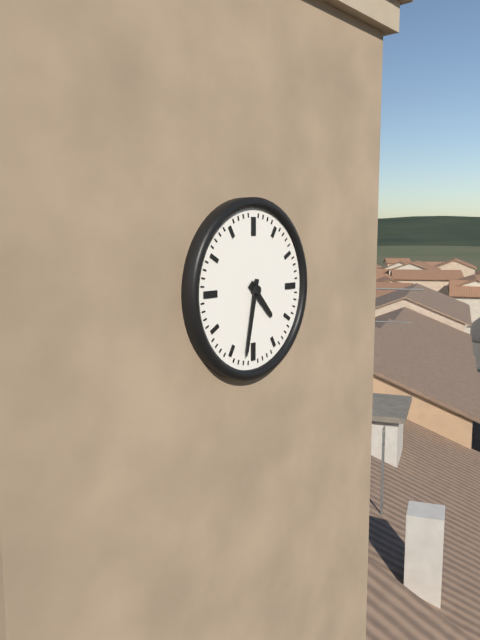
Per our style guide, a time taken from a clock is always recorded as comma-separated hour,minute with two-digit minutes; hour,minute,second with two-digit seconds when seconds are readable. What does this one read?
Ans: 4,32
